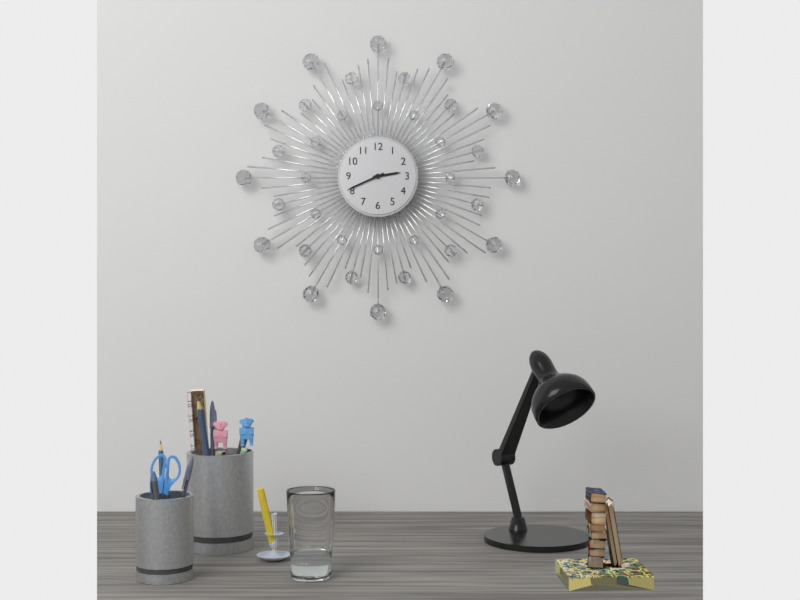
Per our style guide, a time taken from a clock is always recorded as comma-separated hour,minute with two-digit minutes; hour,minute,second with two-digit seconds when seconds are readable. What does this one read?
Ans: 2,41
